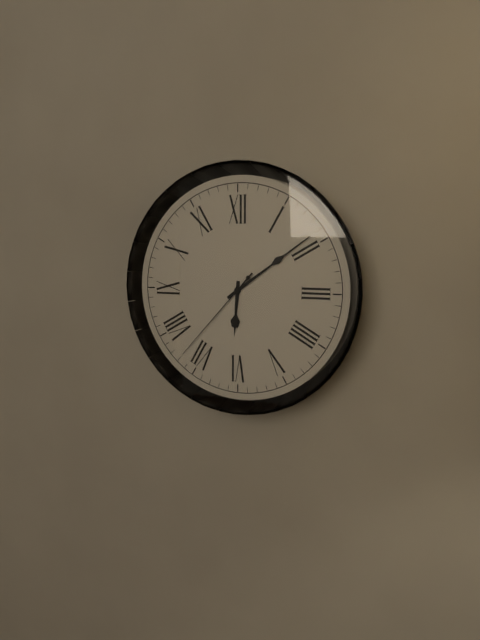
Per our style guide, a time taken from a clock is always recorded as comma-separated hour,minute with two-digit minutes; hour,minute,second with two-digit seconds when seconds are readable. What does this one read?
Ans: 6,09,37
